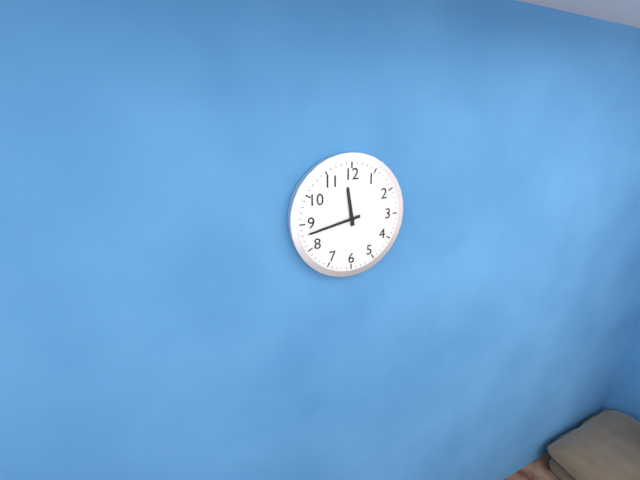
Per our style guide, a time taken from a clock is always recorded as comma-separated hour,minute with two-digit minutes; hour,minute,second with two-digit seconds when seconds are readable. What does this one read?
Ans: 11,43
